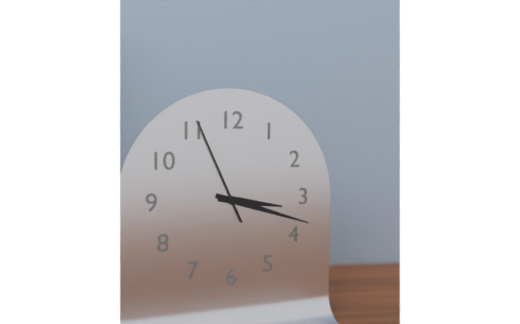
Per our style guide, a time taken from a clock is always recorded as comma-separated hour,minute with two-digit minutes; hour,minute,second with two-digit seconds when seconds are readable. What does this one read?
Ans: 3,18,56
